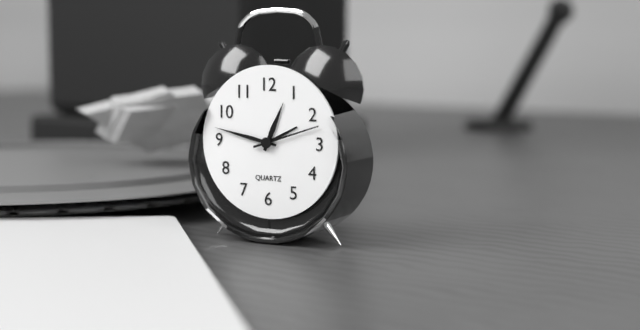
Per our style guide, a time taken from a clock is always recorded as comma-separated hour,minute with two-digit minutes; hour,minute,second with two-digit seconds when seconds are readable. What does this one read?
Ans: 12,47,12
